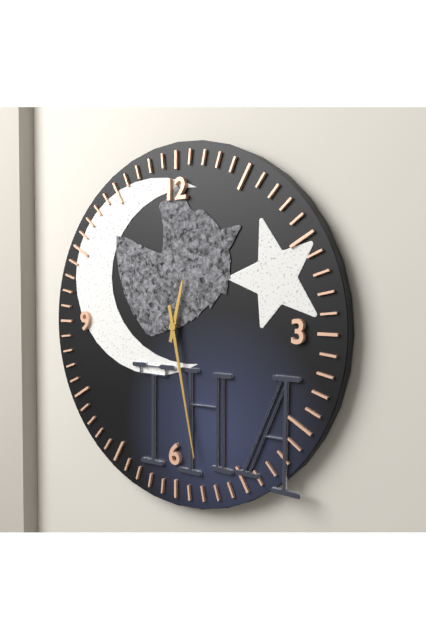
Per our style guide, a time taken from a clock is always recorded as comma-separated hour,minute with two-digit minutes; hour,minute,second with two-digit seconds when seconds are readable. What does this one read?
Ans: 12,28
